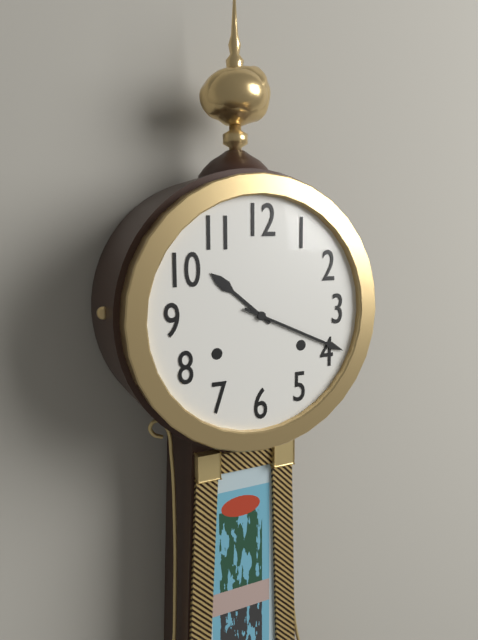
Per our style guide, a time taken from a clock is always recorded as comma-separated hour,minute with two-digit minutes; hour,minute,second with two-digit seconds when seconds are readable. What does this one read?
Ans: 10,19
